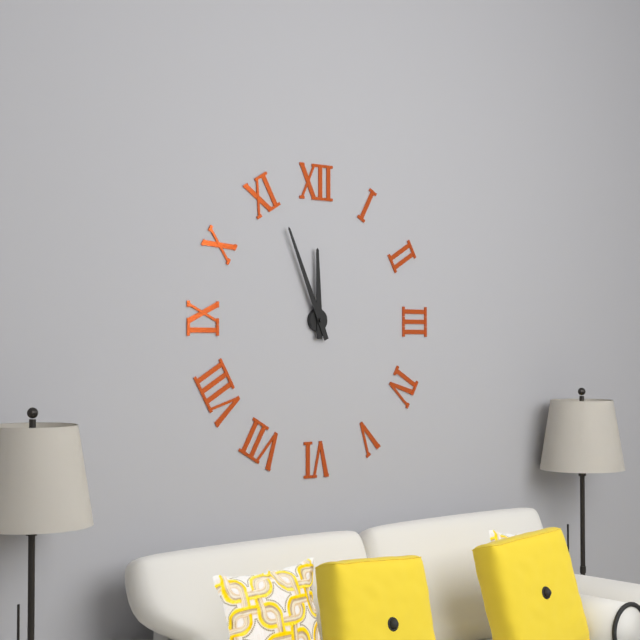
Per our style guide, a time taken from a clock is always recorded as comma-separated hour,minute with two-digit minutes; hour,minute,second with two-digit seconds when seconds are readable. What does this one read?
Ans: 11,56
